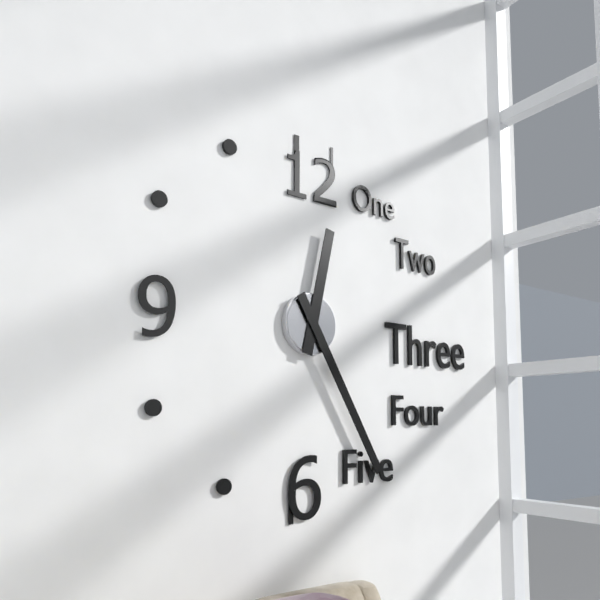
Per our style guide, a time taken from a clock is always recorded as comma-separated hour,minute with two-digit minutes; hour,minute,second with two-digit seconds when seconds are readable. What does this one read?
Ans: 12,25
